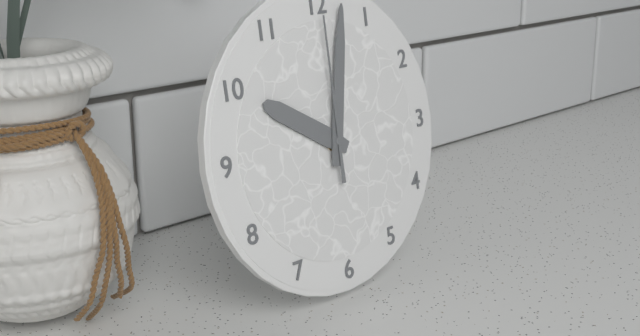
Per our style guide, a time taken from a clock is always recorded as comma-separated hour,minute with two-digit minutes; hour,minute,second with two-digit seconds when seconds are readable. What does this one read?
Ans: 10,02,00
